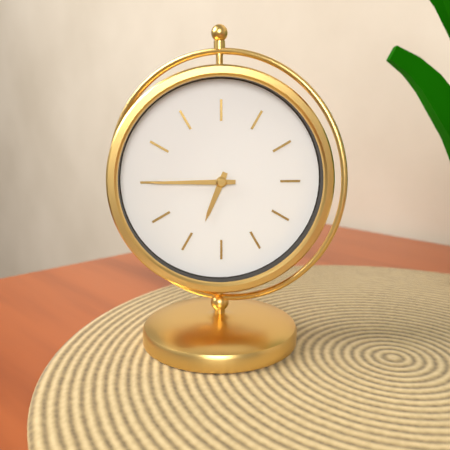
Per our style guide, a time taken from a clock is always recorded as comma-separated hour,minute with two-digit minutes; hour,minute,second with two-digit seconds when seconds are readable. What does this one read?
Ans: 6,45
